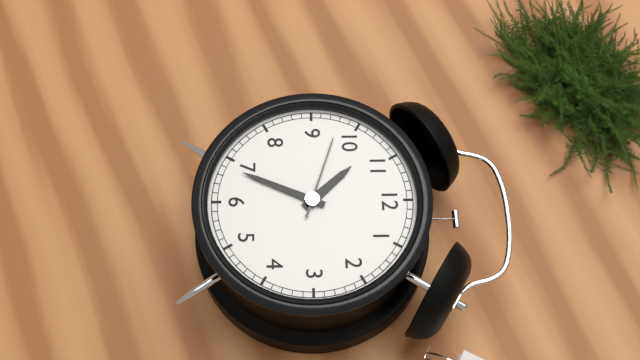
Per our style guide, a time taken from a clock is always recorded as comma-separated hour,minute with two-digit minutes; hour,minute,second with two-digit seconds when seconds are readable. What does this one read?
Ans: 10,34,48
